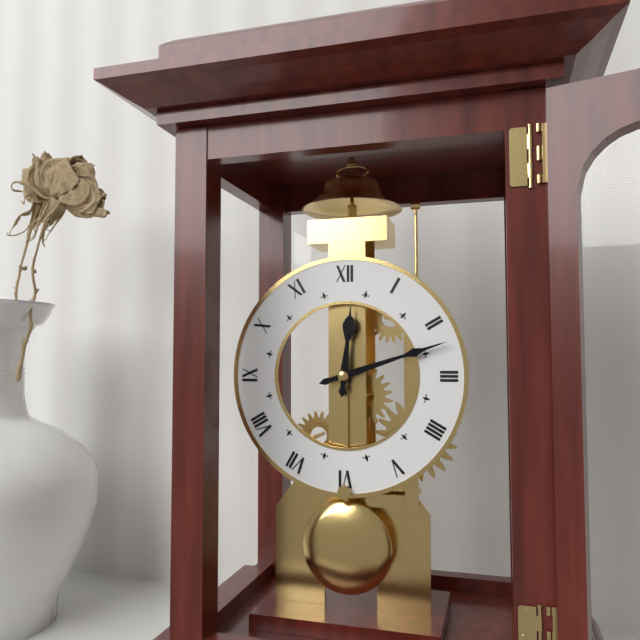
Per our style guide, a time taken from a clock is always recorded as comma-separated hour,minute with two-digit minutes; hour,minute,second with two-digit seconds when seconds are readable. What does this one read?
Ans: 12,12
